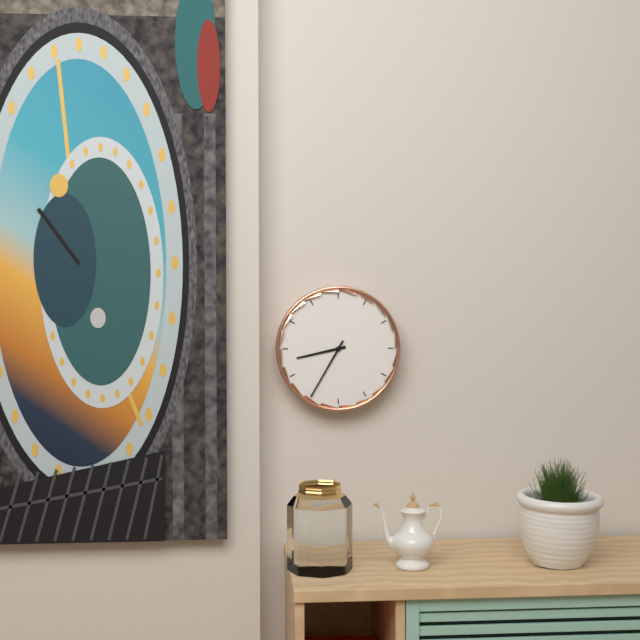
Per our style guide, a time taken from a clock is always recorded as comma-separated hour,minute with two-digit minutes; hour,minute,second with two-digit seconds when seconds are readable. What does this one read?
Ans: 8,35
